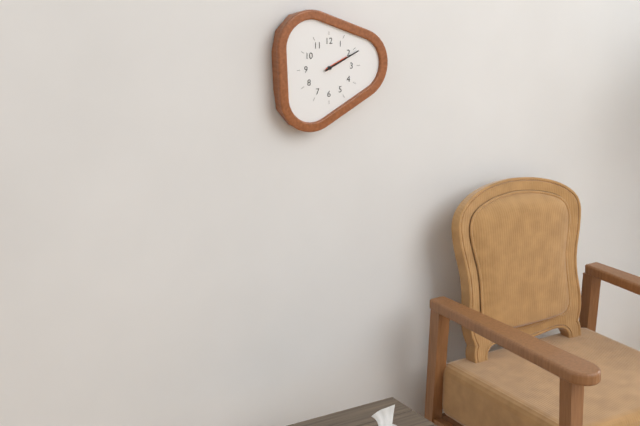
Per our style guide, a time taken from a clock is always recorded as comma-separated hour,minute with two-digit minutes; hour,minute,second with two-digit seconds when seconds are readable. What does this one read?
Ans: 2,11
